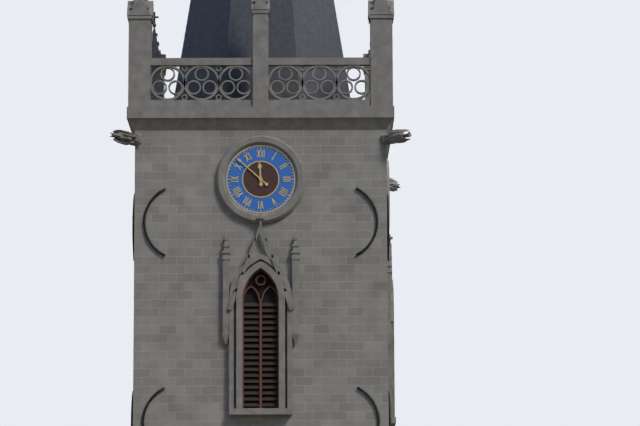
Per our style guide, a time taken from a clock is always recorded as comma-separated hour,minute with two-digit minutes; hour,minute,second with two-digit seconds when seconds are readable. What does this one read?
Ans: 11,52
